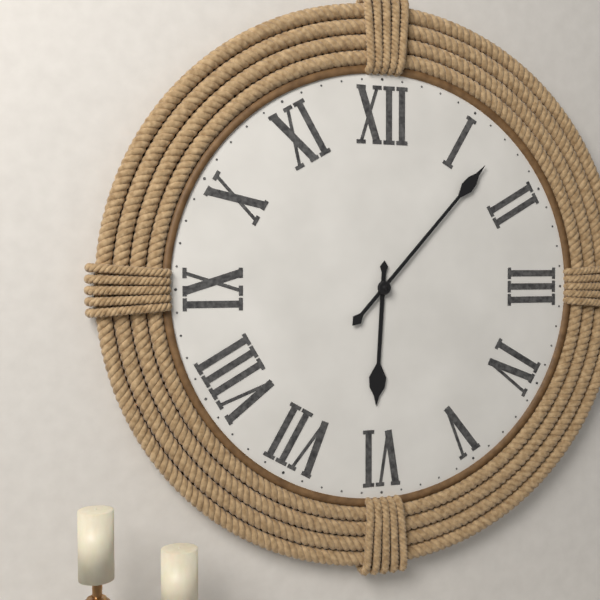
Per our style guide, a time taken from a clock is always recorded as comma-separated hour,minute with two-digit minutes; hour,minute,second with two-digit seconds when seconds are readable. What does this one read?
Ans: 6,07
